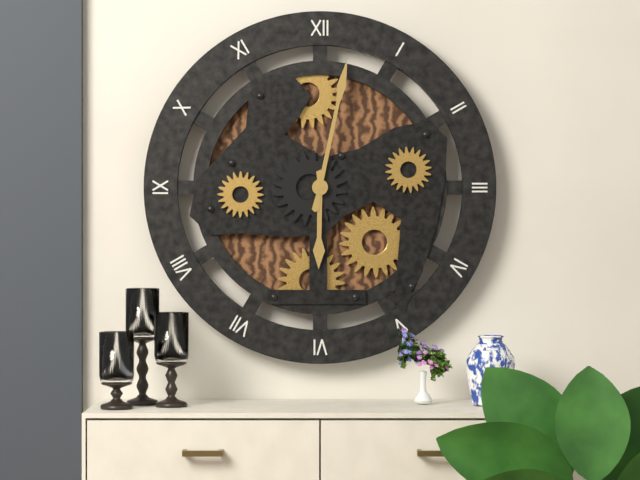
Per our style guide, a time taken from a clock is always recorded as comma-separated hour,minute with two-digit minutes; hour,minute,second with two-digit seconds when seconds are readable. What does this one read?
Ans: 6,02
